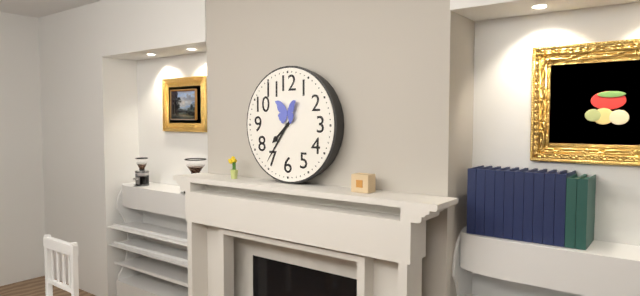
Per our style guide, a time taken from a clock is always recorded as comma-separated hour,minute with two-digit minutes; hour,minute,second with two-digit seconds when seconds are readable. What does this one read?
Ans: 7,36
